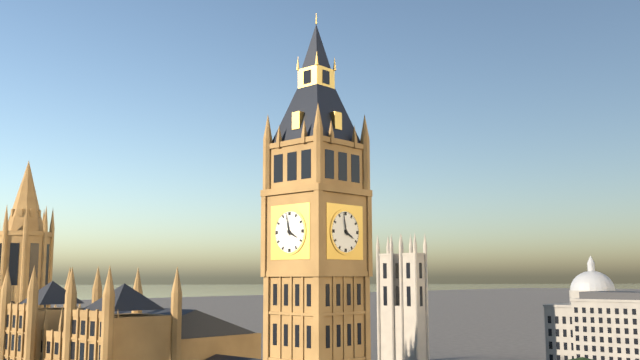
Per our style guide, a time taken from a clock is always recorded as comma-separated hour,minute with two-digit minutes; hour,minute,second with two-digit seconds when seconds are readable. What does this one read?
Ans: 3,58
